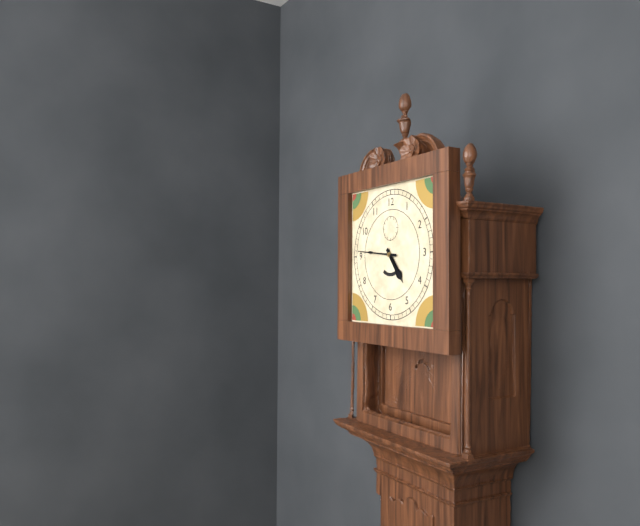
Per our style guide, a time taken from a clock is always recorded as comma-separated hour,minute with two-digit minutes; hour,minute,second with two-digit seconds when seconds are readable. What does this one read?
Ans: 4,46
